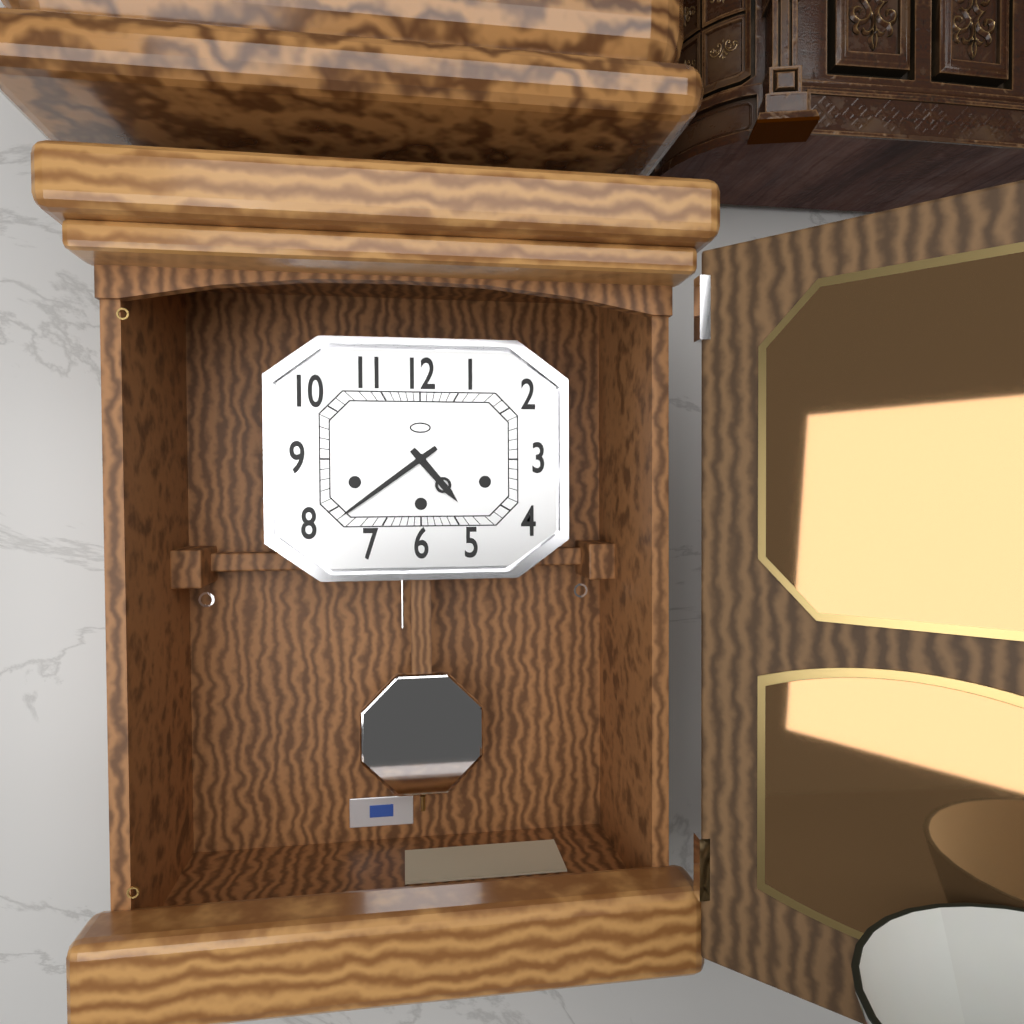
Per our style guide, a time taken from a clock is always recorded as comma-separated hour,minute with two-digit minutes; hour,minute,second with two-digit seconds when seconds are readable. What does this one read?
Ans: 4,39
